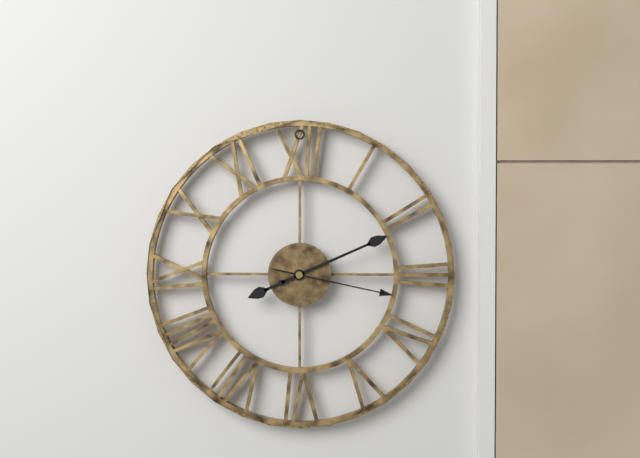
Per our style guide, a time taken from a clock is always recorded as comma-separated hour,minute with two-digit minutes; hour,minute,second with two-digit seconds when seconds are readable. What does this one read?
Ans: 8,11,17
